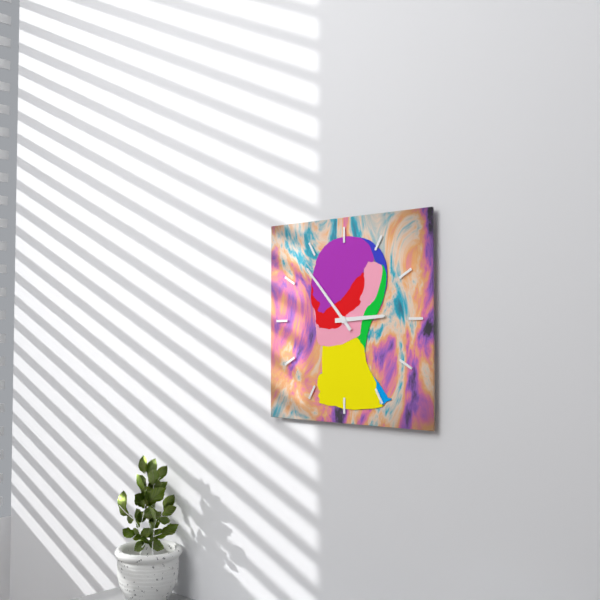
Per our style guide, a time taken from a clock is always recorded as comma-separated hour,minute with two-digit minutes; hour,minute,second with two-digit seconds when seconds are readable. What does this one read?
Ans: 2,53
